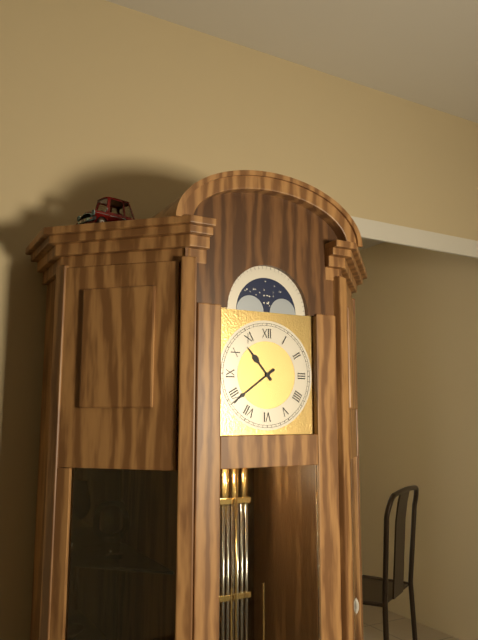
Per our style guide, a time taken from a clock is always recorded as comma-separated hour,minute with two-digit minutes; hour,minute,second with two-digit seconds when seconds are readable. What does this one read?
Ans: 10,39
